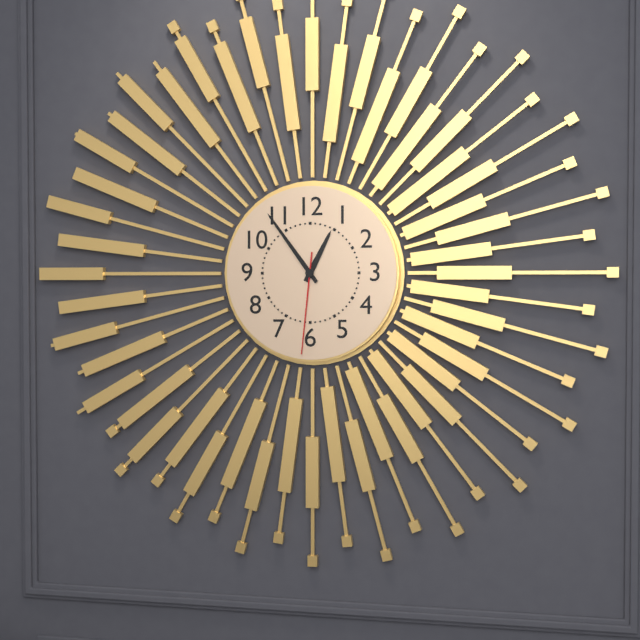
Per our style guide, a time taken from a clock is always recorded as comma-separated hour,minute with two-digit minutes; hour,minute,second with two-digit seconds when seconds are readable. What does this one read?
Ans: 12,54,31
